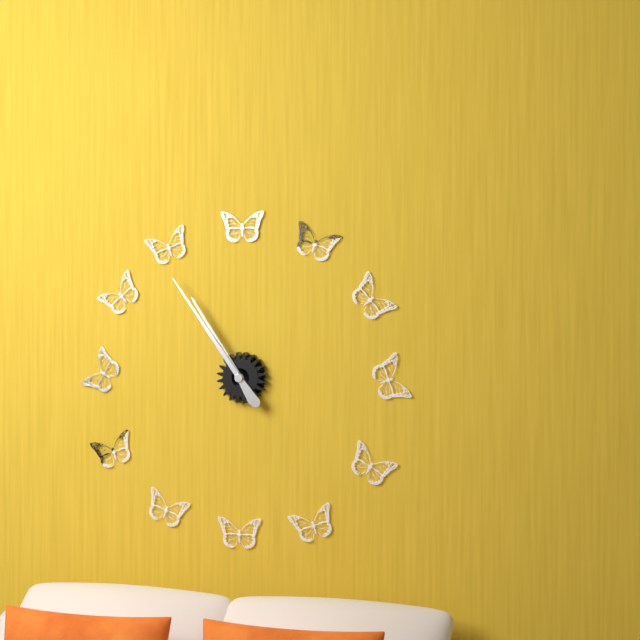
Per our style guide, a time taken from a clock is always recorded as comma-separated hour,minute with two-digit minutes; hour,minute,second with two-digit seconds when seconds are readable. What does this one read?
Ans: 10,54
